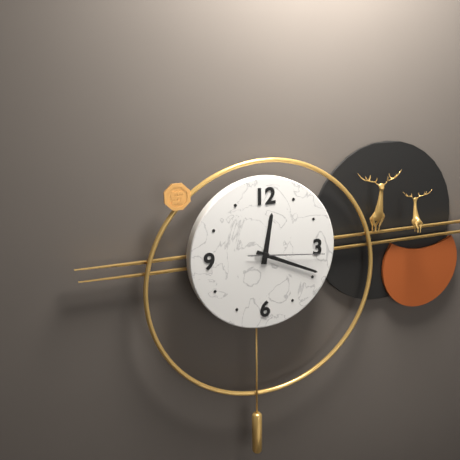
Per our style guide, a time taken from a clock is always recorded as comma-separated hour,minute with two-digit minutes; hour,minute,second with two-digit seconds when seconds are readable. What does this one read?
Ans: 12,19,16
